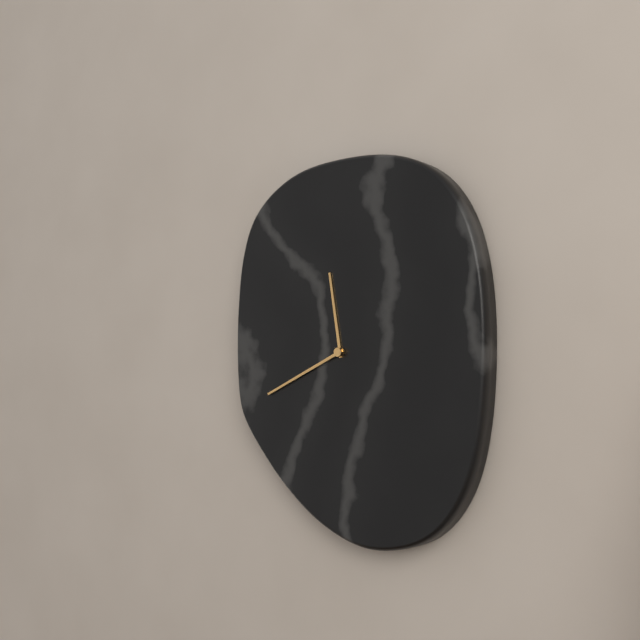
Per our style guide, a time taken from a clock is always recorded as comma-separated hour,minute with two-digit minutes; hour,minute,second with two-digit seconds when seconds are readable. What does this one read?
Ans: 11,41
